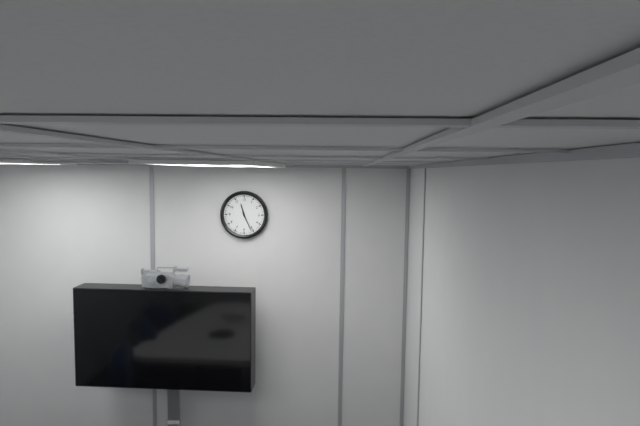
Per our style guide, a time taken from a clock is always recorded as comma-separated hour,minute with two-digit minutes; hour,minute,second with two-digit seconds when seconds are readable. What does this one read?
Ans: 11,26
